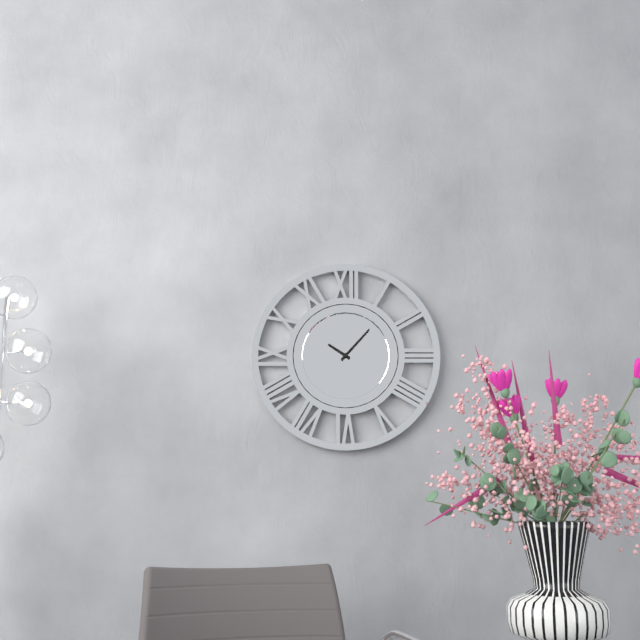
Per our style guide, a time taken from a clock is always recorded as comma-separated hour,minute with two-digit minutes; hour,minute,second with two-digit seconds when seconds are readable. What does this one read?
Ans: 10,07
